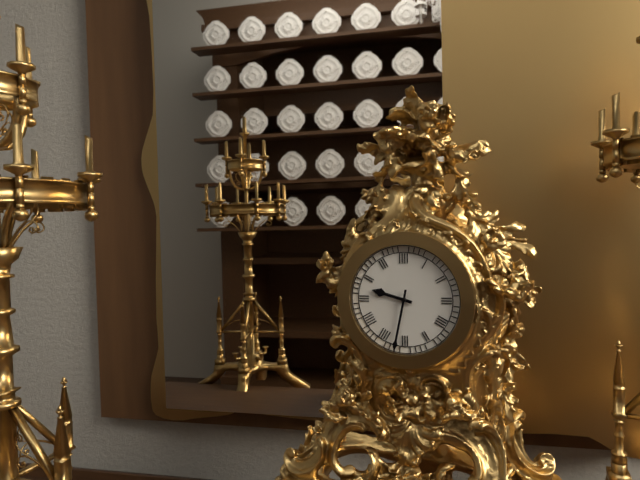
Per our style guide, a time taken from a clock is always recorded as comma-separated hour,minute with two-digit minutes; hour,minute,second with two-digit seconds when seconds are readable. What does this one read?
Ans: 9,32
